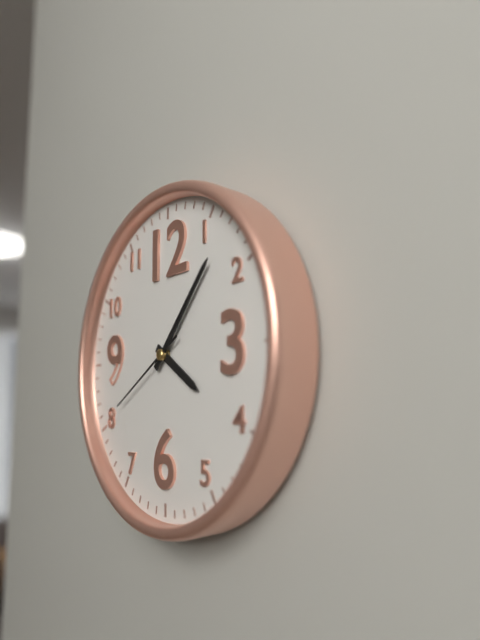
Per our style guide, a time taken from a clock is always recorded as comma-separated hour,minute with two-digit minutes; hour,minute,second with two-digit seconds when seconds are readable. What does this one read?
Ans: 4,07,40
